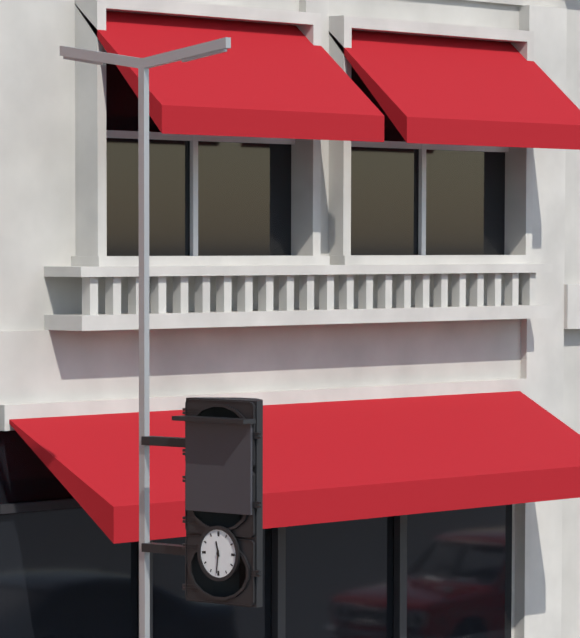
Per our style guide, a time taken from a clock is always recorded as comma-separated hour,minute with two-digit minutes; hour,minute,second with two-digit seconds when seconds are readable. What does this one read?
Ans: 11,31
